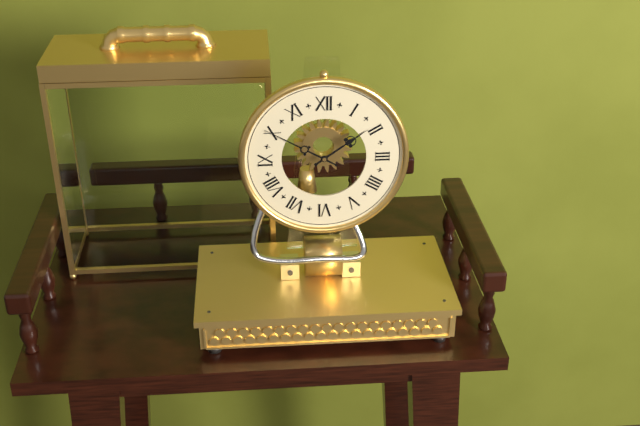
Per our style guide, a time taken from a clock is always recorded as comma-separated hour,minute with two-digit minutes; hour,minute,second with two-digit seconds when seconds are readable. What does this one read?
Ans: 1,50
